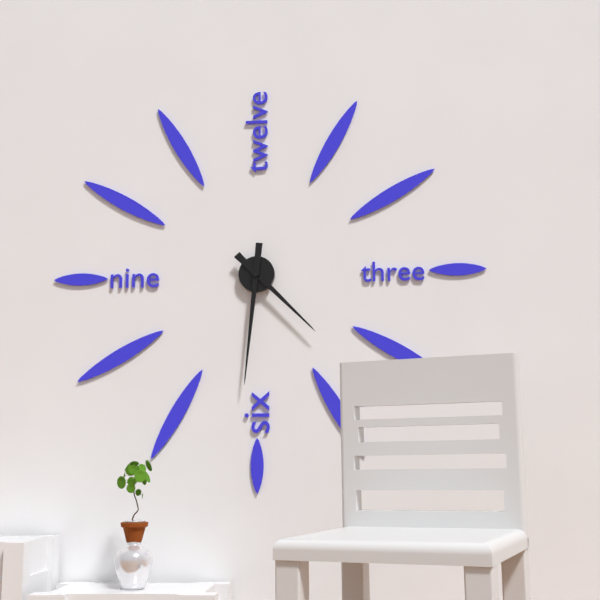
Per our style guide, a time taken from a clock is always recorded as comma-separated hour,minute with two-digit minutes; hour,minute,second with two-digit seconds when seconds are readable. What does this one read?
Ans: 4,31
